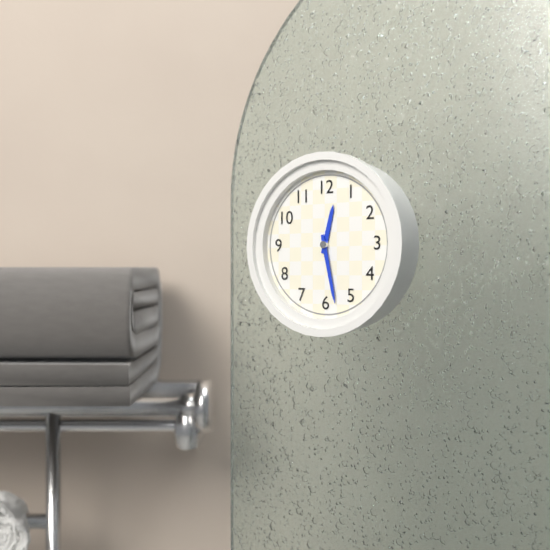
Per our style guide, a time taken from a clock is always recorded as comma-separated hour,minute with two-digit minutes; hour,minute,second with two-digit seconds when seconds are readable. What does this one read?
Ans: 12,28
